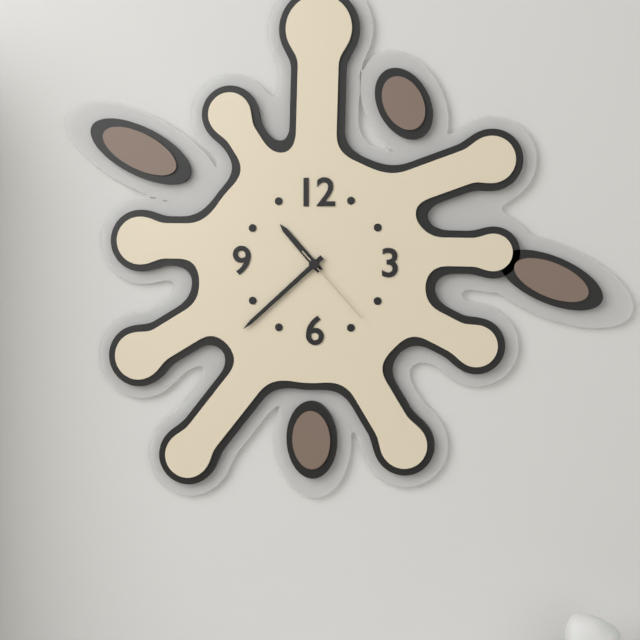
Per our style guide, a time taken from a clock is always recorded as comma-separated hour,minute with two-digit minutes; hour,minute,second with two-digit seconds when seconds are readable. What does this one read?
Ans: 10,38,23
